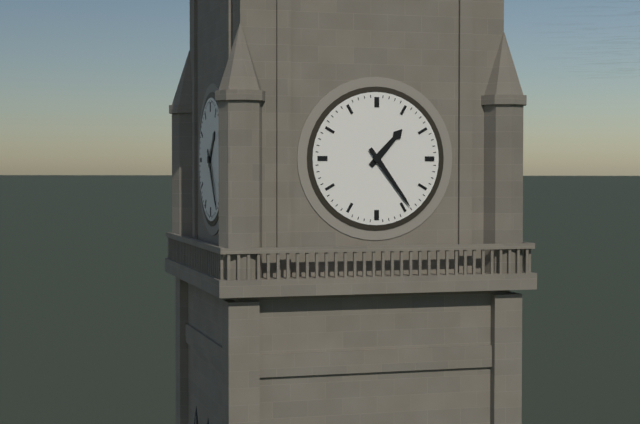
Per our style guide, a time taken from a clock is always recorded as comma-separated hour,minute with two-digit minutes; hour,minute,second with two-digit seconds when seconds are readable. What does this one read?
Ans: 1,24
